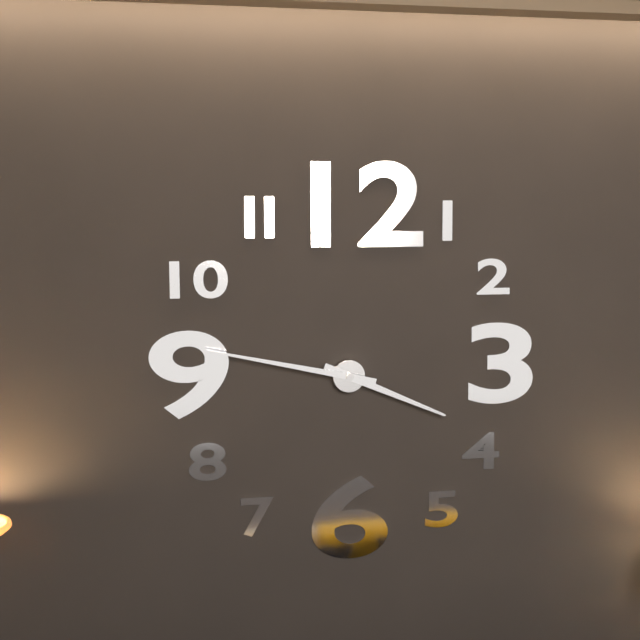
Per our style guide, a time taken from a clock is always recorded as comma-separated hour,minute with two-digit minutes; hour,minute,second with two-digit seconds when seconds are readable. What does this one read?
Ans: 3,47
